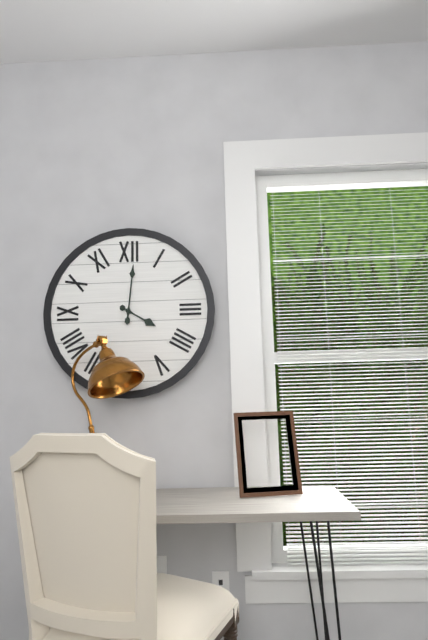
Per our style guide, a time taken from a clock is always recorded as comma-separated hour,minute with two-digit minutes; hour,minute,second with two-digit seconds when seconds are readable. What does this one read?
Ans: 4,01
